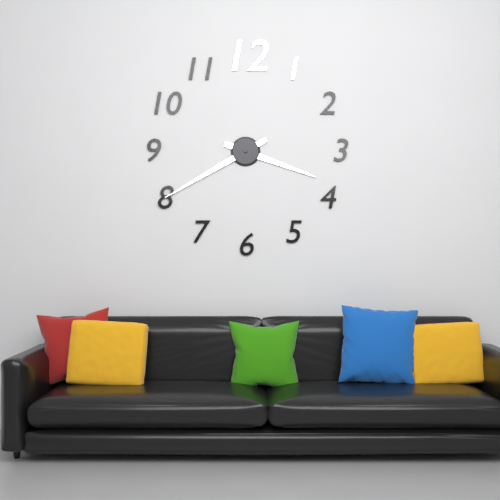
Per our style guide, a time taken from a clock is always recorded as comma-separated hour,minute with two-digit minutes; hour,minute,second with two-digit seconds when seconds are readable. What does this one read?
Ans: 3,40
